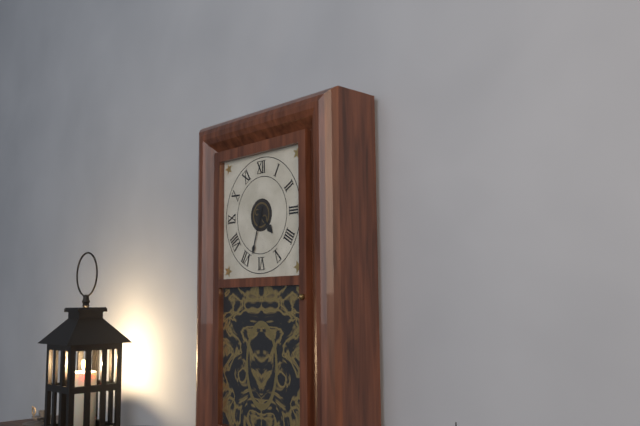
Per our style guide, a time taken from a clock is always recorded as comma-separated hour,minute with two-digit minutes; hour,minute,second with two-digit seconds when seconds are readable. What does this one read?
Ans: 4,33
